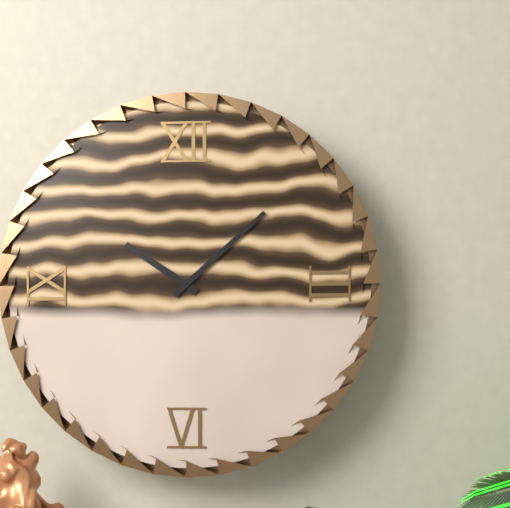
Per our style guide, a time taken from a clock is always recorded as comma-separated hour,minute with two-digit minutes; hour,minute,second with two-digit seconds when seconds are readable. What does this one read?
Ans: 10,08
